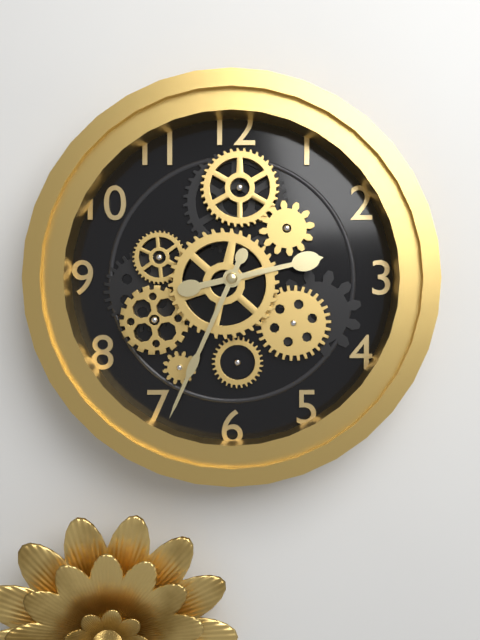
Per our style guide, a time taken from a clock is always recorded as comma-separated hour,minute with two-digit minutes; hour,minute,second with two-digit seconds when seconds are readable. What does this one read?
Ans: 2,34
